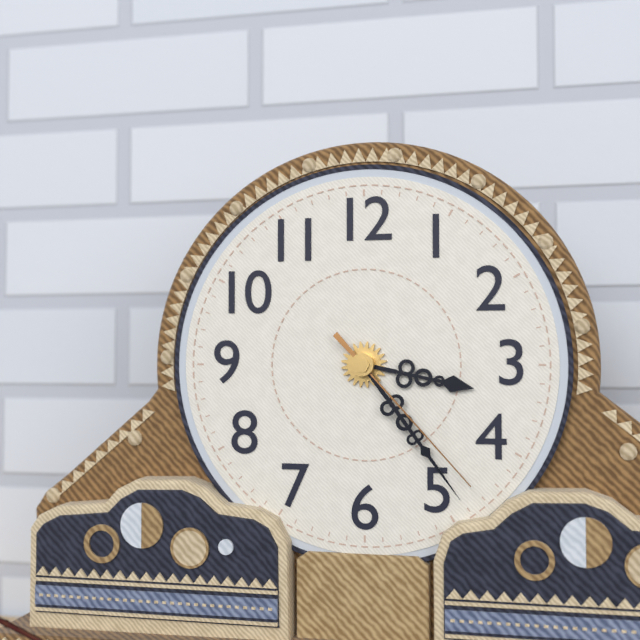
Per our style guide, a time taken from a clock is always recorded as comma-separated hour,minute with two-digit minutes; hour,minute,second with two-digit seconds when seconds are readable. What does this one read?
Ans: 3,24,23
